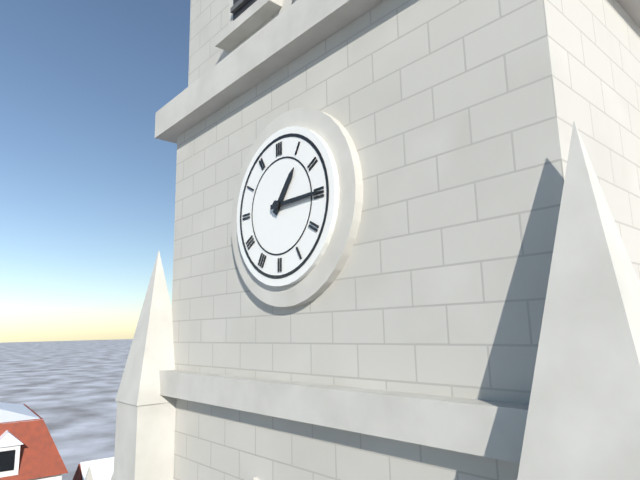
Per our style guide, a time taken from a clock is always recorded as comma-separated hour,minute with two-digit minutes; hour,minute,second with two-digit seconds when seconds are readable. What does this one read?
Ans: 1,15
